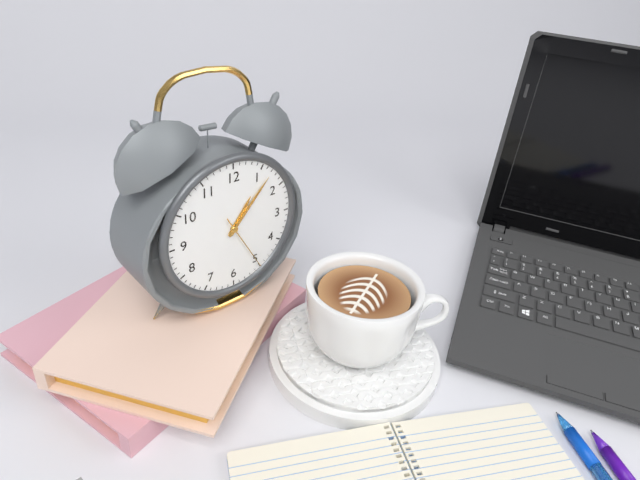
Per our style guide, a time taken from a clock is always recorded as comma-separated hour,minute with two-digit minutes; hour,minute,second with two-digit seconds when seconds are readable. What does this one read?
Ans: 1,07,25
